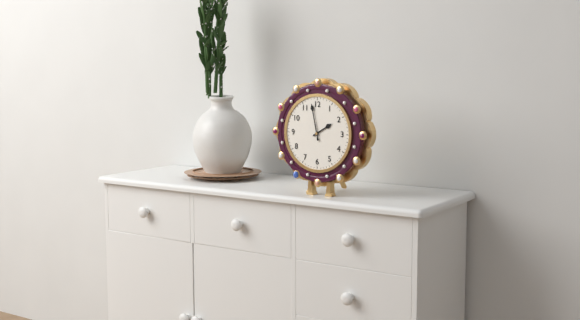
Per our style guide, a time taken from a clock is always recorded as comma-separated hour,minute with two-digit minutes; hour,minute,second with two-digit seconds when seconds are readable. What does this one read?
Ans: 1,58
